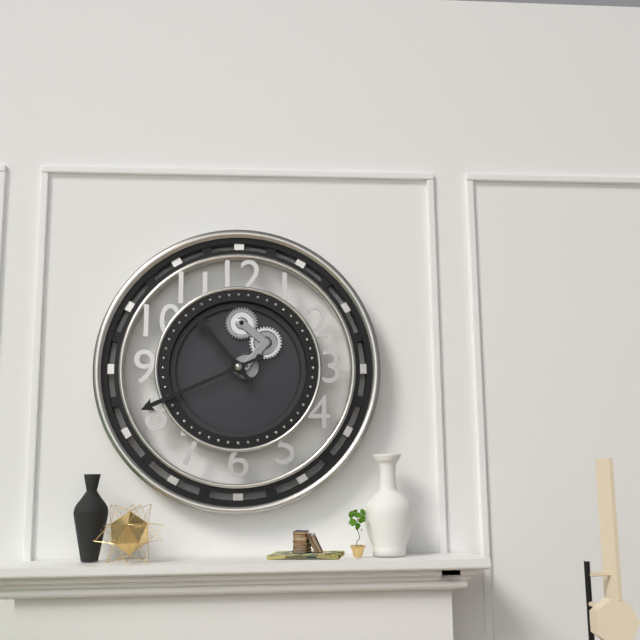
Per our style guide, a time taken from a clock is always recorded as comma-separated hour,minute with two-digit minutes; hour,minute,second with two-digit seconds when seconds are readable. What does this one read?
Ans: 10,41
